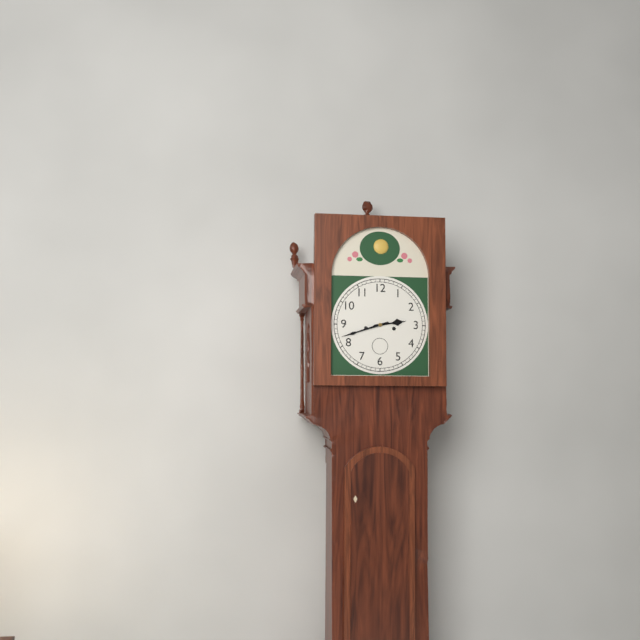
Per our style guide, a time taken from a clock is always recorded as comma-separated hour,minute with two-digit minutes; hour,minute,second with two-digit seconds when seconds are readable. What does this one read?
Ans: 2,42
